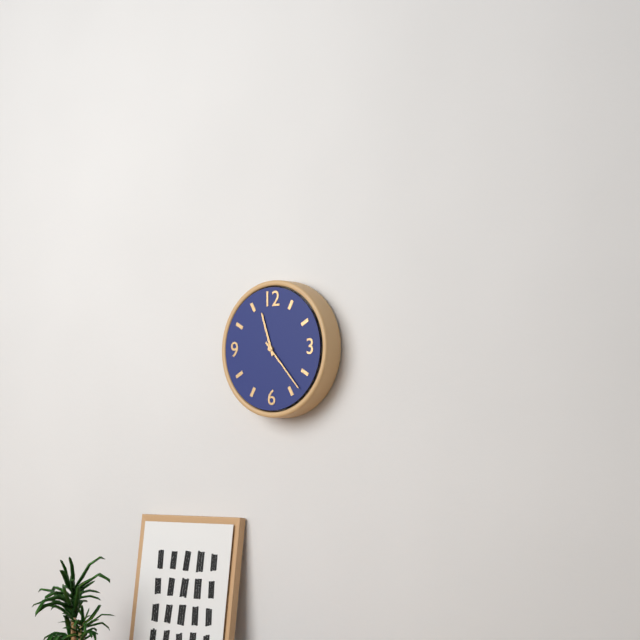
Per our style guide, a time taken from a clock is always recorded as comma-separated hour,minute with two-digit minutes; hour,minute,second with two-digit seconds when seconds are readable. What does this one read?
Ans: 11,23
